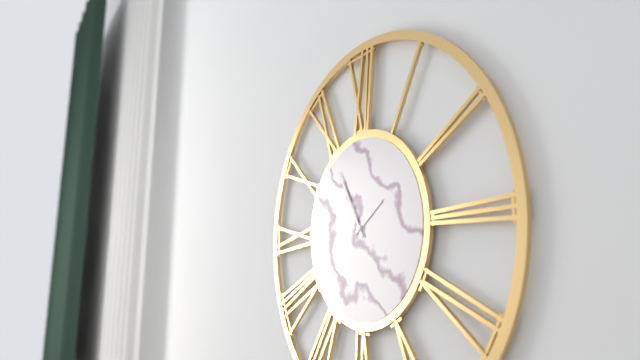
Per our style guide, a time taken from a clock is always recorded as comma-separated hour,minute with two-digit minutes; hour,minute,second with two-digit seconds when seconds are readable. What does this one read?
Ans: 1,55
